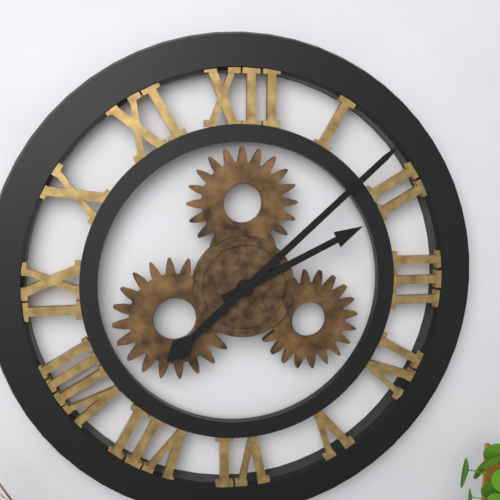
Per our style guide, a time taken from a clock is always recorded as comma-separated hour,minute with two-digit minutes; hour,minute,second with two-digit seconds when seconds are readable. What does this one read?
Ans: 2,08
